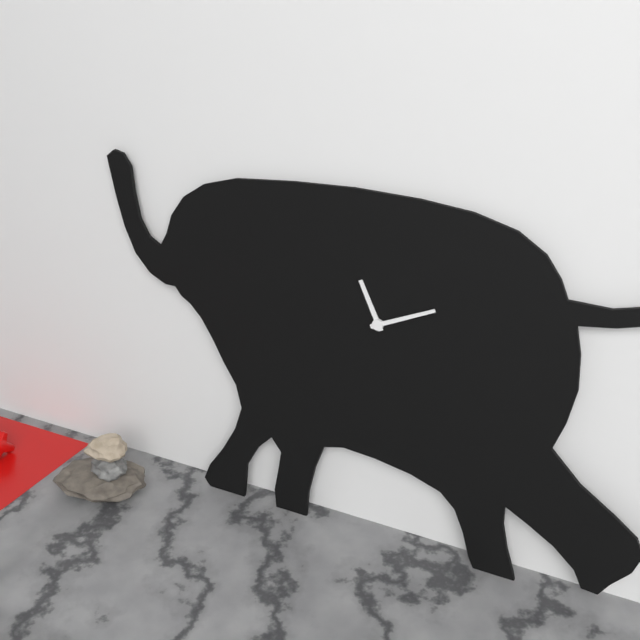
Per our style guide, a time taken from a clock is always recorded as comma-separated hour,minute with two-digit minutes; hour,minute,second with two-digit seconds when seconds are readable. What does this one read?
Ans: 11,11
